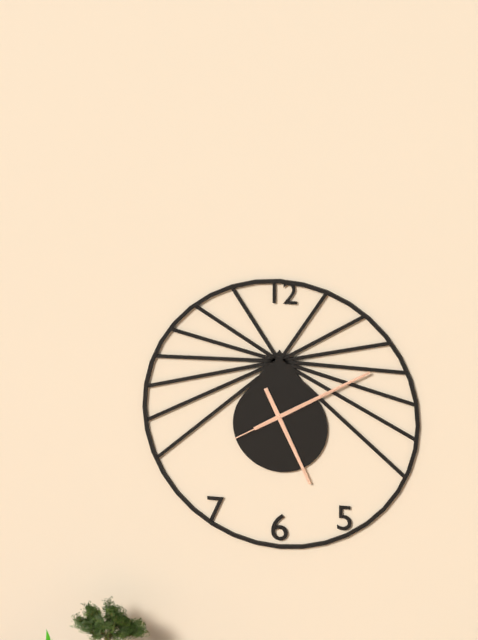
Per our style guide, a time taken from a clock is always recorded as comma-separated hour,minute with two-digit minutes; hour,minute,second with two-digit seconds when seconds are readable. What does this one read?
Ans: 5,10,10
